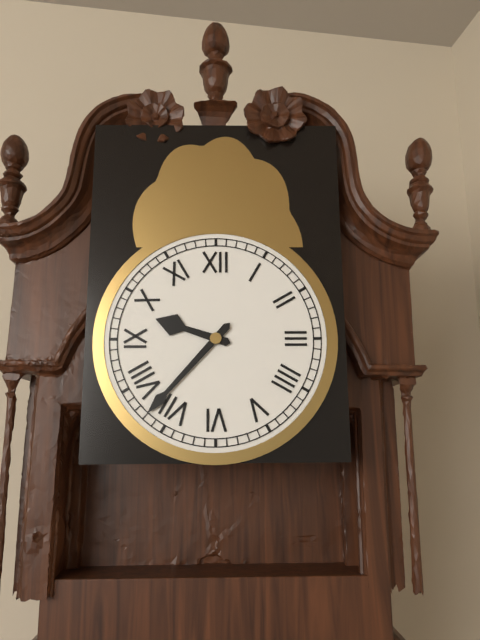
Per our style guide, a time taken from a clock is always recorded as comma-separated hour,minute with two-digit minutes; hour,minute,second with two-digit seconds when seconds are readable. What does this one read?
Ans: 9,37
